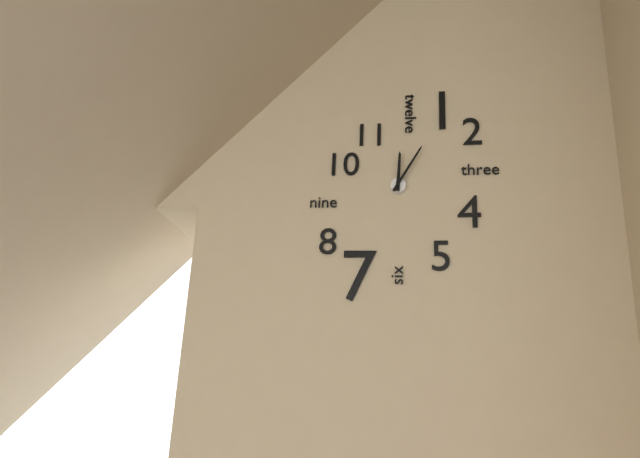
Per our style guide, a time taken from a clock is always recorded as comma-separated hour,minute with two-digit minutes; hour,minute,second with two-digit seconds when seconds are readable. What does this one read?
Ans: 12,05
